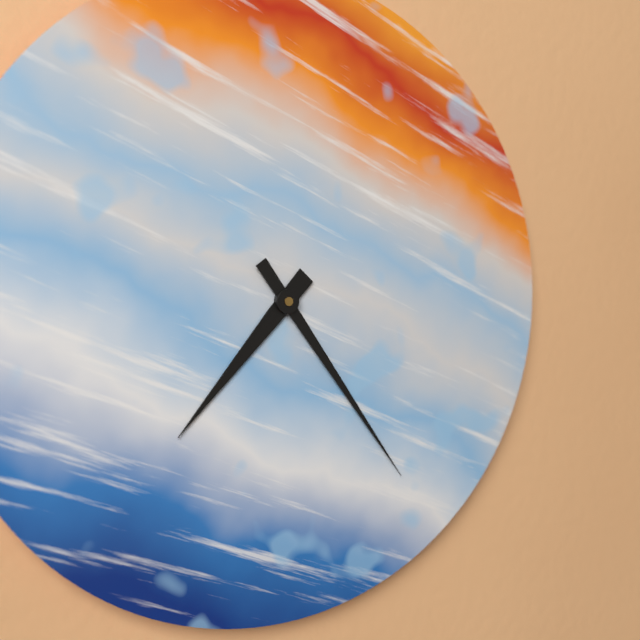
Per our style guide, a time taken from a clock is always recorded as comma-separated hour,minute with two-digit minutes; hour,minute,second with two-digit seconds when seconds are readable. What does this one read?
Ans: 7,24
